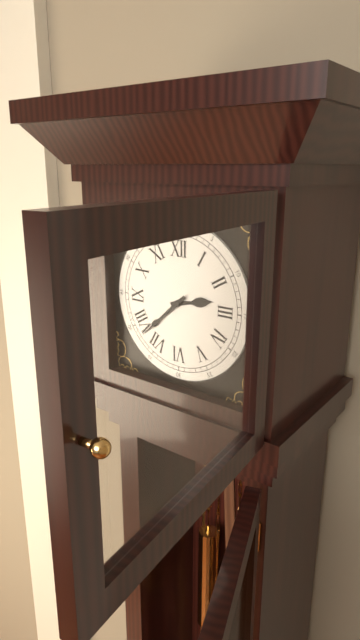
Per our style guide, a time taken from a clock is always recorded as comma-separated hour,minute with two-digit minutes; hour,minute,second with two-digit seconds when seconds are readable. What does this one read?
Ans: 2,38
